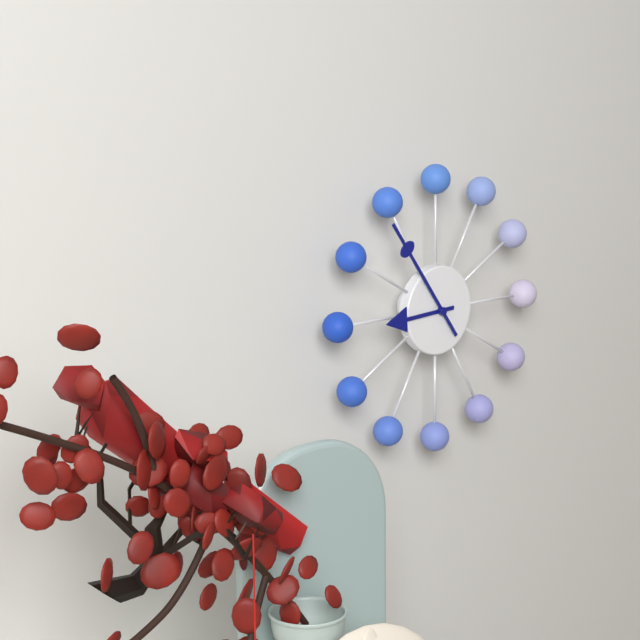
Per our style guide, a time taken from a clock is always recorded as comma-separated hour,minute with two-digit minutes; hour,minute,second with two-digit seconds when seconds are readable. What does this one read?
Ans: 8,54
